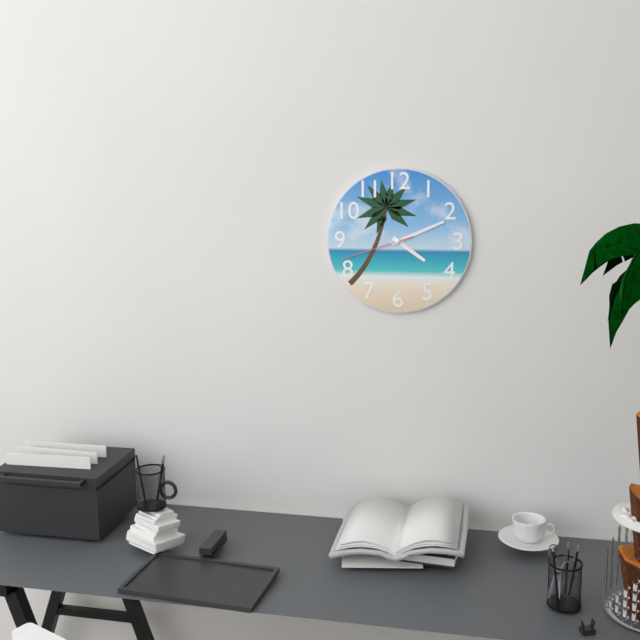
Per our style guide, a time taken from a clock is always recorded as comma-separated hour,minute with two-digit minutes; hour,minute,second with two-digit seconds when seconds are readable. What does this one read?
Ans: 4,11,42
